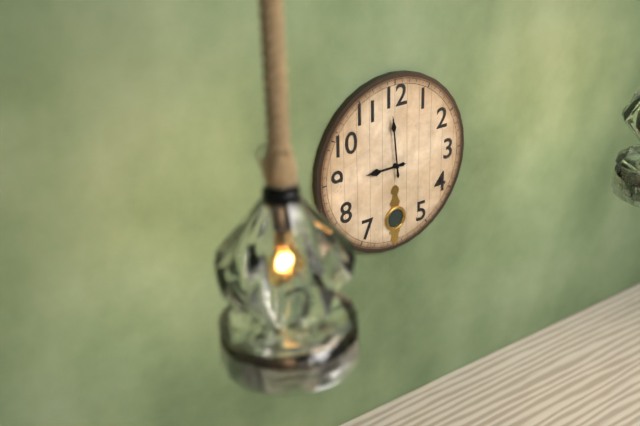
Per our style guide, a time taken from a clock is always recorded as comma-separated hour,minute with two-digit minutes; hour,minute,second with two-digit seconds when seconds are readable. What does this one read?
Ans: 8,59
